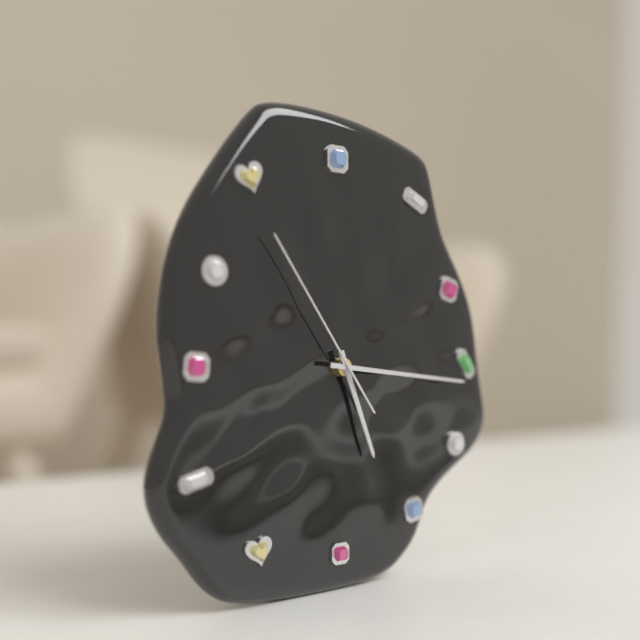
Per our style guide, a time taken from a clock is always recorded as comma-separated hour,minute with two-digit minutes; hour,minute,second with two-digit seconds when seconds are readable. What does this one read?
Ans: 5,16,54
